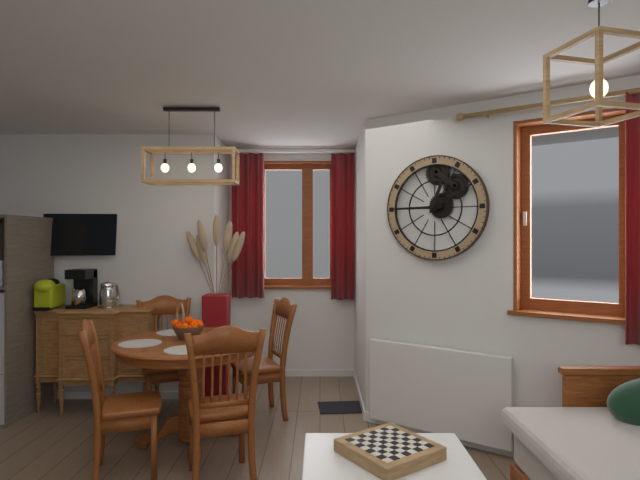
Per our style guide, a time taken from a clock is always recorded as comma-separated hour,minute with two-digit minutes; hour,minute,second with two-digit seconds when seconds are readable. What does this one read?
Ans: 12,45
